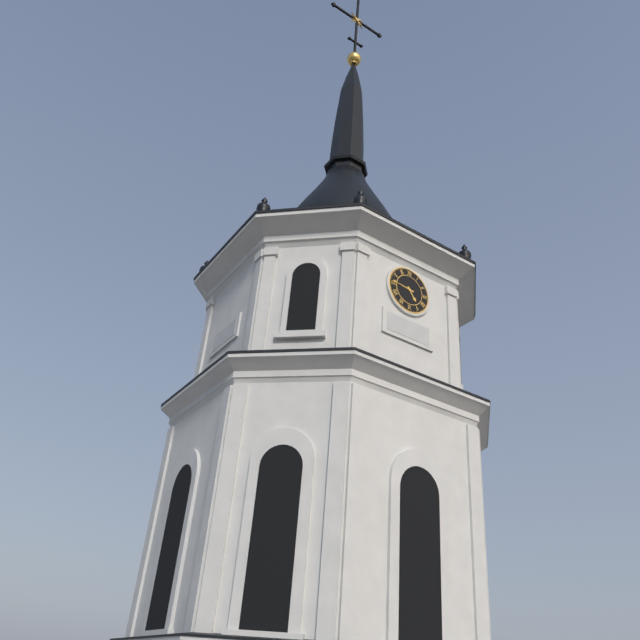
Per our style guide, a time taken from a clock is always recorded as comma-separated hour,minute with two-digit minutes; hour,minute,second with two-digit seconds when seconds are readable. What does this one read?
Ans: 4,46
